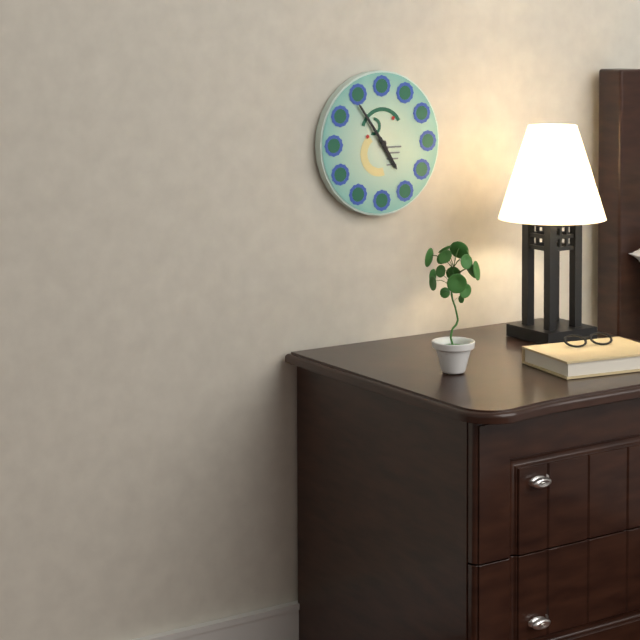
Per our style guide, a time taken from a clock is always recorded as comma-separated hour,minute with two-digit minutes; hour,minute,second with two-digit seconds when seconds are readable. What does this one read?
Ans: 4,54
